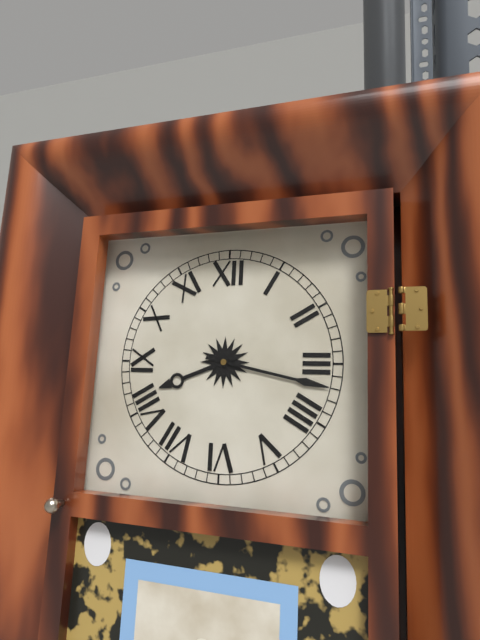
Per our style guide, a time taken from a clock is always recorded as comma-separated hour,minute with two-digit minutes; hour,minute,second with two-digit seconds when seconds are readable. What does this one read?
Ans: 8,17
